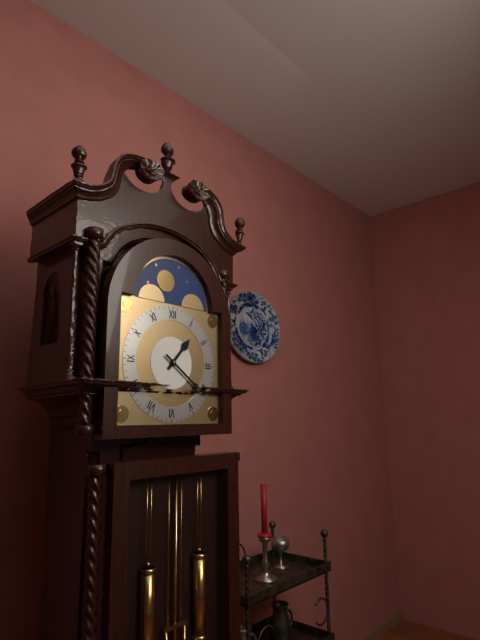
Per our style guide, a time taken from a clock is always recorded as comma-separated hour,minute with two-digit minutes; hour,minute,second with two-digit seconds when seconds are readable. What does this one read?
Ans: 1,21
